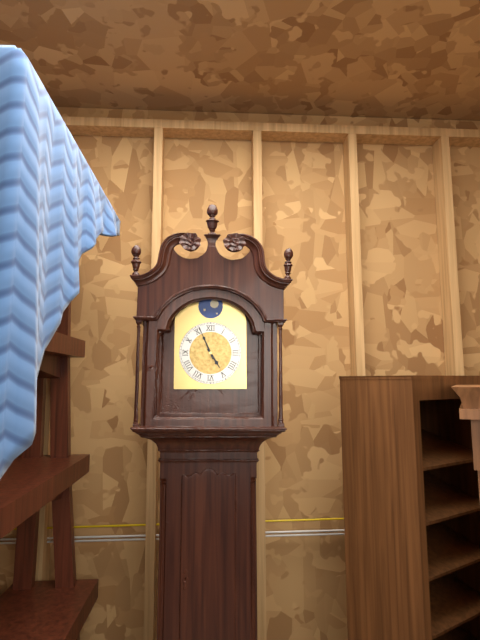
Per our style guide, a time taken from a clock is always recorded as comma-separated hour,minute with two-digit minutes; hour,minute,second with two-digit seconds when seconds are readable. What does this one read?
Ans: 4,56
